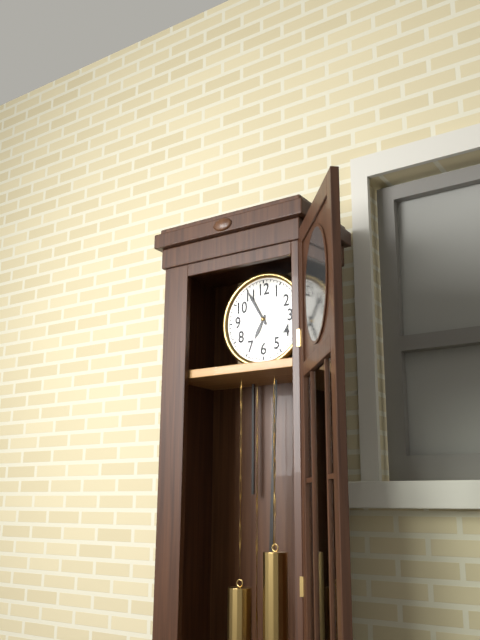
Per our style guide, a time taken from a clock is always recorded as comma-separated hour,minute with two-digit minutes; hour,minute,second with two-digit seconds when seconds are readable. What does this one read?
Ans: 6,55
